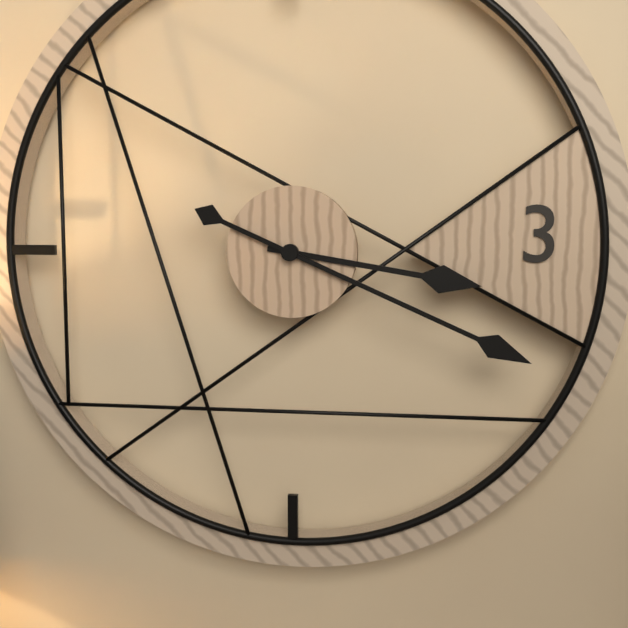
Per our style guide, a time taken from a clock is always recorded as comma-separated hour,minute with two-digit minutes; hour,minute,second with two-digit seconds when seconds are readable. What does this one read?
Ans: 3,19
